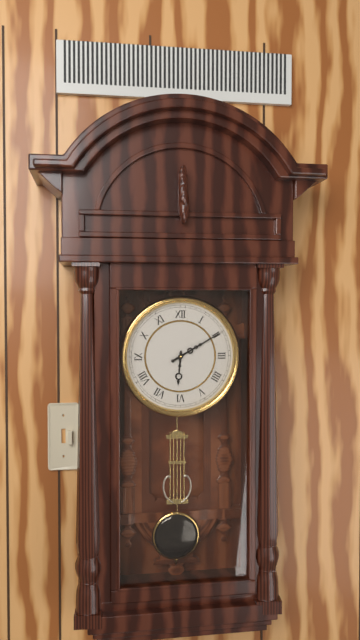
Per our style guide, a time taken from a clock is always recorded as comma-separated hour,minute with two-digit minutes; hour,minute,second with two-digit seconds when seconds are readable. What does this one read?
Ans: 6,10
